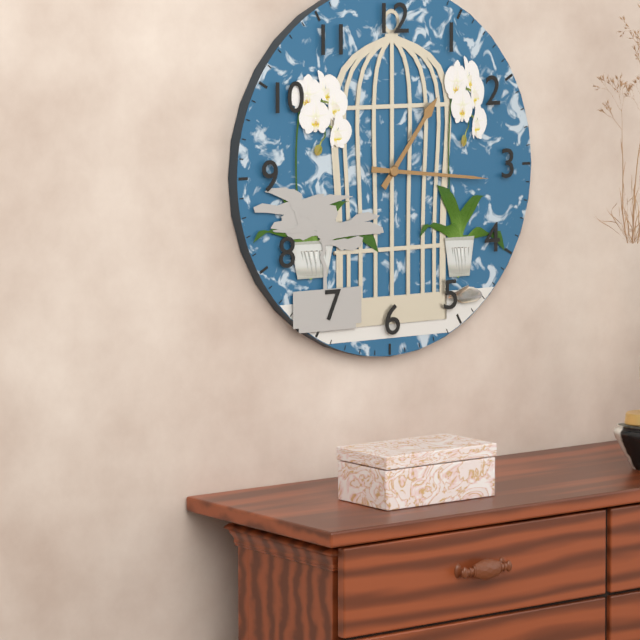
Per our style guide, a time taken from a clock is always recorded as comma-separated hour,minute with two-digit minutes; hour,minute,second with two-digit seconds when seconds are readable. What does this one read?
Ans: 1,16
